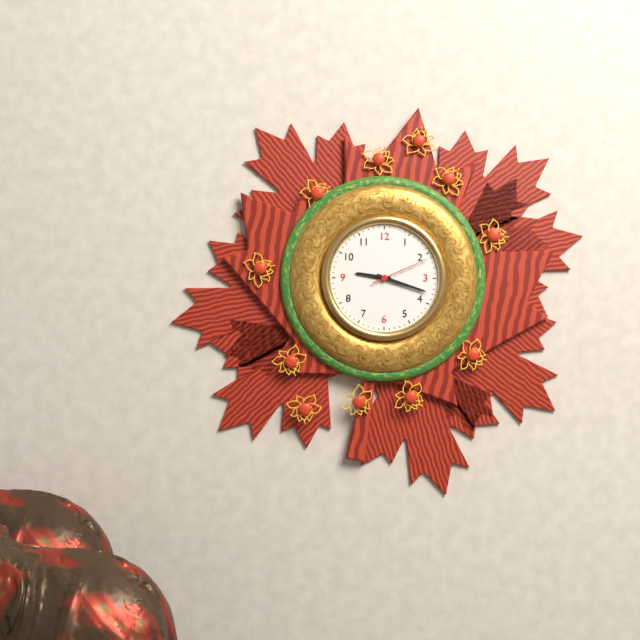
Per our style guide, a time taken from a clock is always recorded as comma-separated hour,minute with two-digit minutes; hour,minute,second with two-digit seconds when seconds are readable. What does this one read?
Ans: 9,18,11
